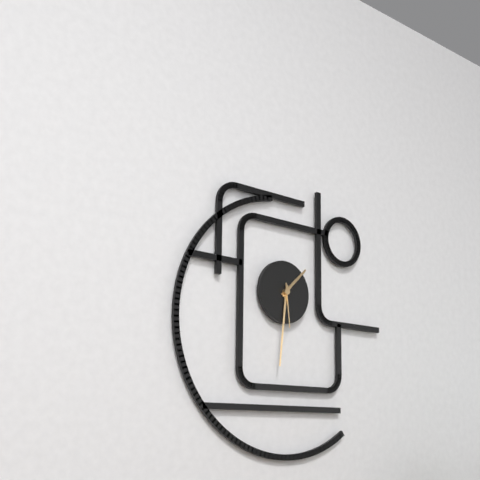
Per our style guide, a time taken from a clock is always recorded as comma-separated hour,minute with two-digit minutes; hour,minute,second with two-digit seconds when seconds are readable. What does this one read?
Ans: 1,31
